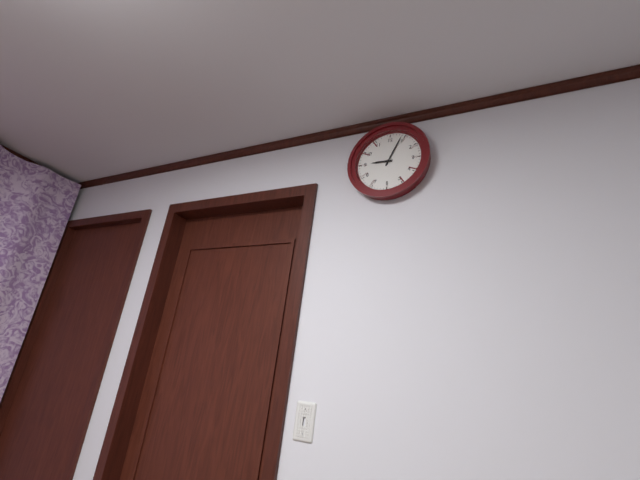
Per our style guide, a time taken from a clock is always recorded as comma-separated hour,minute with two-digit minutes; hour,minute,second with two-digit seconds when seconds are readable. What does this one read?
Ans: 9,04
